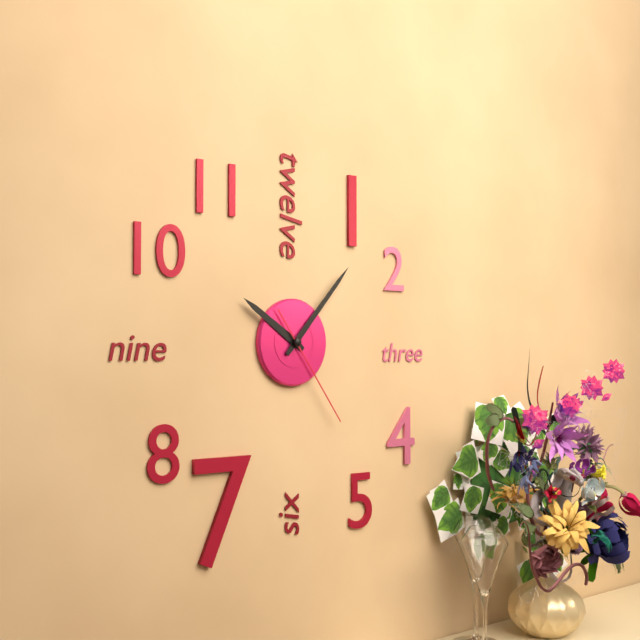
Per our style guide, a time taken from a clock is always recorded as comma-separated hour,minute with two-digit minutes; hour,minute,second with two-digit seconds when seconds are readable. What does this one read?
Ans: 10,07,24
